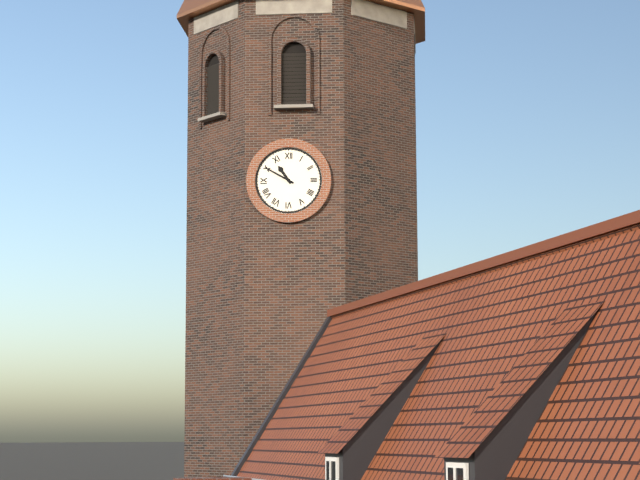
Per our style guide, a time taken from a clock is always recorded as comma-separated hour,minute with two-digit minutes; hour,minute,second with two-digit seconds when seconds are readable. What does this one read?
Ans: 10,50
